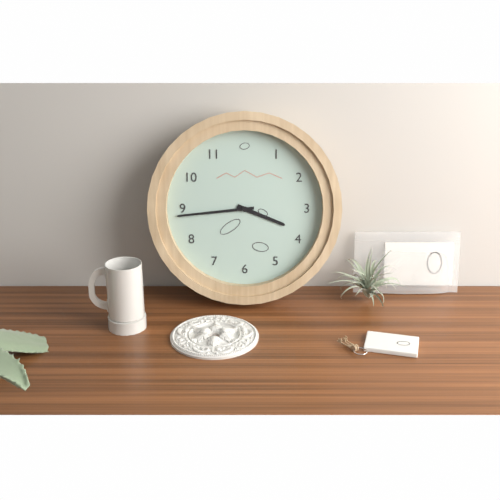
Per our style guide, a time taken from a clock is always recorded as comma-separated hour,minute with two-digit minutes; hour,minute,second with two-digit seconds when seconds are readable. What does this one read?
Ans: 3,44
